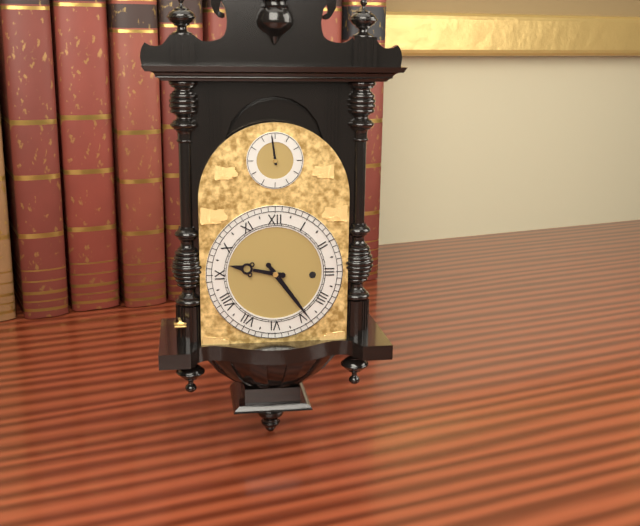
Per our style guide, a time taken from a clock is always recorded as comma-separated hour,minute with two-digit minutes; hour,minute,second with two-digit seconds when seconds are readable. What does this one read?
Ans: 9,24
